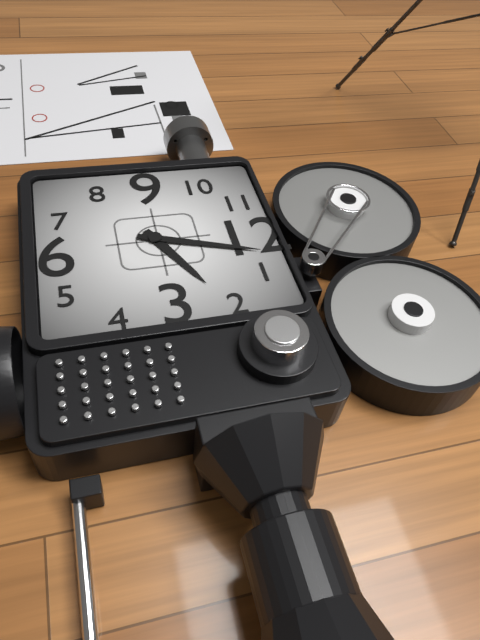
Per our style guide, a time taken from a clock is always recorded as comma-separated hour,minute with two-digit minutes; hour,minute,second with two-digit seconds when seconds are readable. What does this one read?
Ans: 2,03
